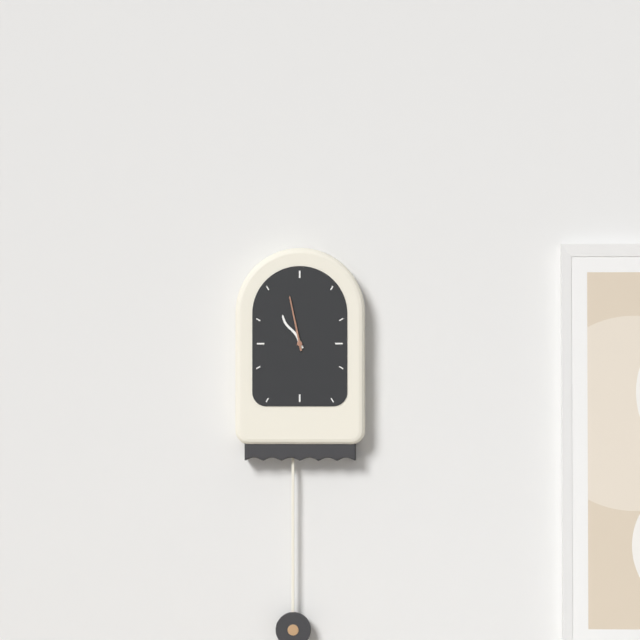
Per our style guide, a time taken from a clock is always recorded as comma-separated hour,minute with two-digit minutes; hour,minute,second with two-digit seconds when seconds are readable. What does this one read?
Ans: 10,58
